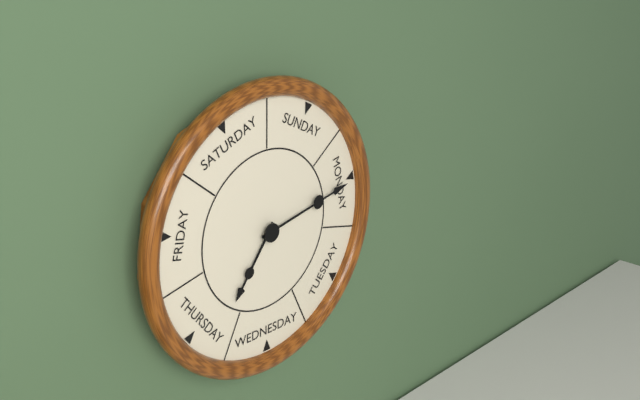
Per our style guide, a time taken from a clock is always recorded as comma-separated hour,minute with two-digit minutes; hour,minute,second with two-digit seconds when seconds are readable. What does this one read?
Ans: 7,13
